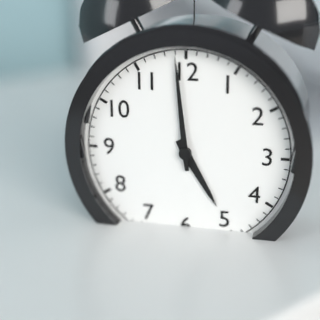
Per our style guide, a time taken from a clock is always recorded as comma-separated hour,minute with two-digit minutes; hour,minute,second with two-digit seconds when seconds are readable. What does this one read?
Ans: 4,59
